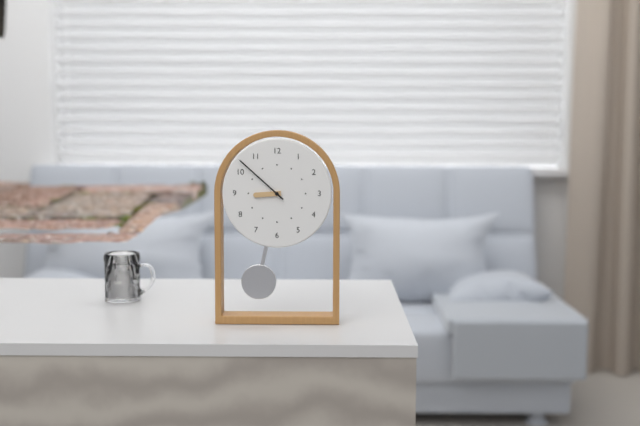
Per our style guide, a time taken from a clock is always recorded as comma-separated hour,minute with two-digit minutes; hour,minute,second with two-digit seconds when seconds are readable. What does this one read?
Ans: 8,52
